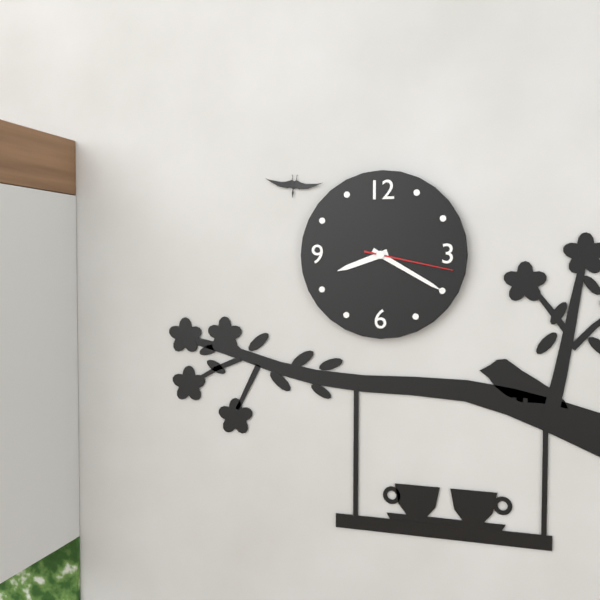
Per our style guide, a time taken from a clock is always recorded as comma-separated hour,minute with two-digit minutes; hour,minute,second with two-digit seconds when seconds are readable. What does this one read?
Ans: 8,20,17
